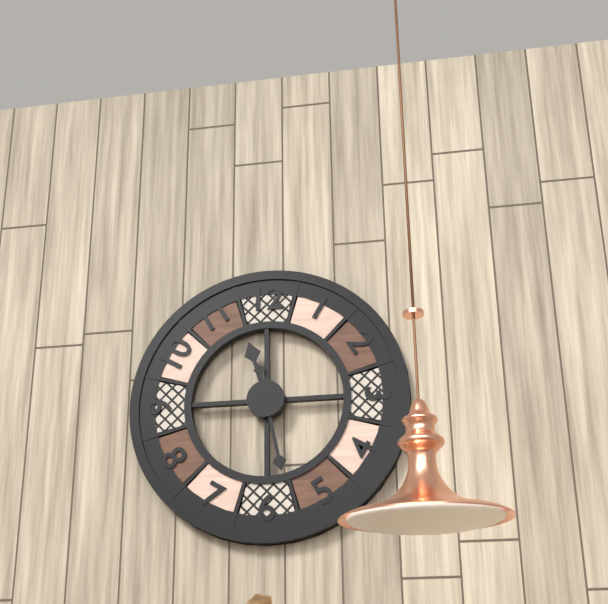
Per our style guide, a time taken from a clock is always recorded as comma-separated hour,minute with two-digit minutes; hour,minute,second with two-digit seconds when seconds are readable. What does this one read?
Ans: 11,28
